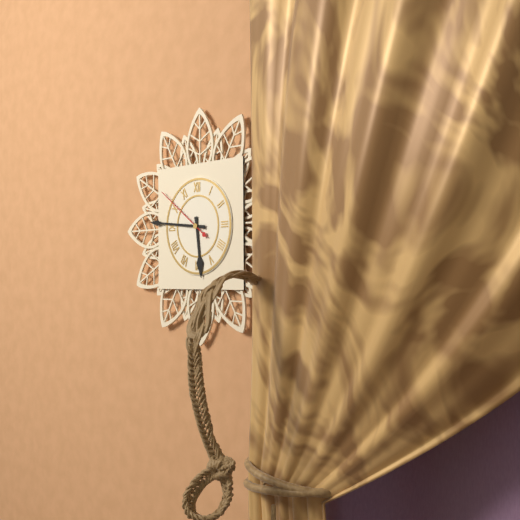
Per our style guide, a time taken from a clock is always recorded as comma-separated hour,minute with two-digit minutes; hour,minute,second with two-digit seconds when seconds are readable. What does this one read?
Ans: 5,46,51
